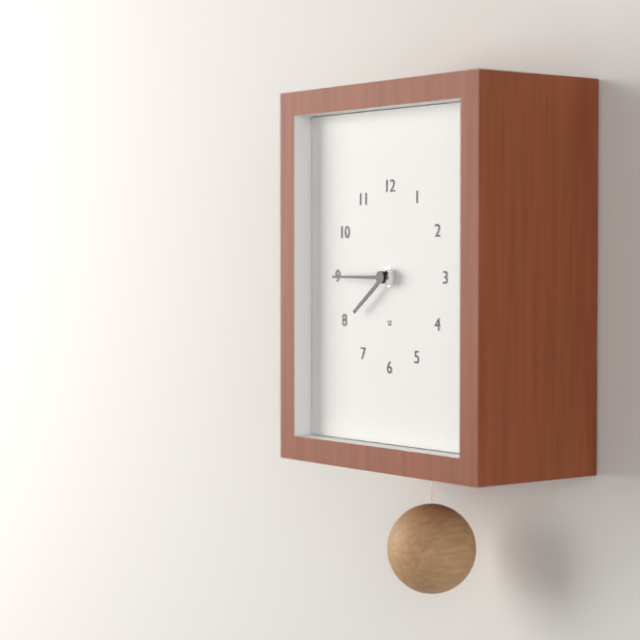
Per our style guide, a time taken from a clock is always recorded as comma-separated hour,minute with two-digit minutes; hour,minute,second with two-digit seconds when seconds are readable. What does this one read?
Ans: 7,45
